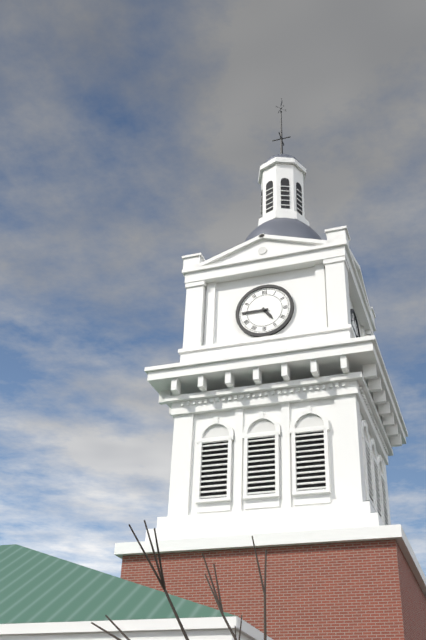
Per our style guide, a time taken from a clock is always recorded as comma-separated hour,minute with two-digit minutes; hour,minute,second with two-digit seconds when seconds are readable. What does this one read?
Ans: 4,45
